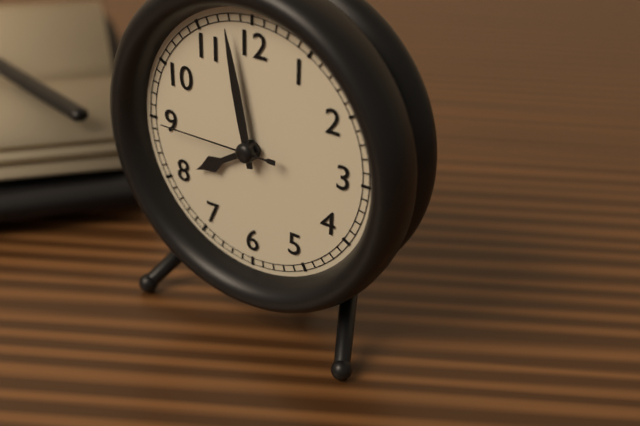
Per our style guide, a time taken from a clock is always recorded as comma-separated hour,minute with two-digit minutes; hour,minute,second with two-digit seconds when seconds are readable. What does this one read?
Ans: 7,58,45
